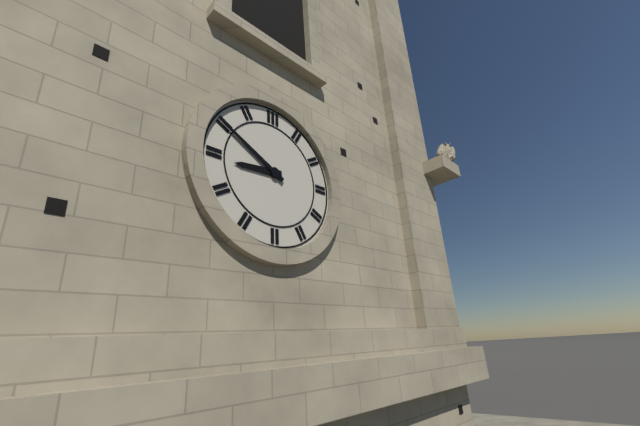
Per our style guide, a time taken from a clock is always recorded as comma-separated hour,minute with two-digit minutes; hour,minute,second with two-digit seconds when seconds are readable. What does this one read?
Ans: 8,50
